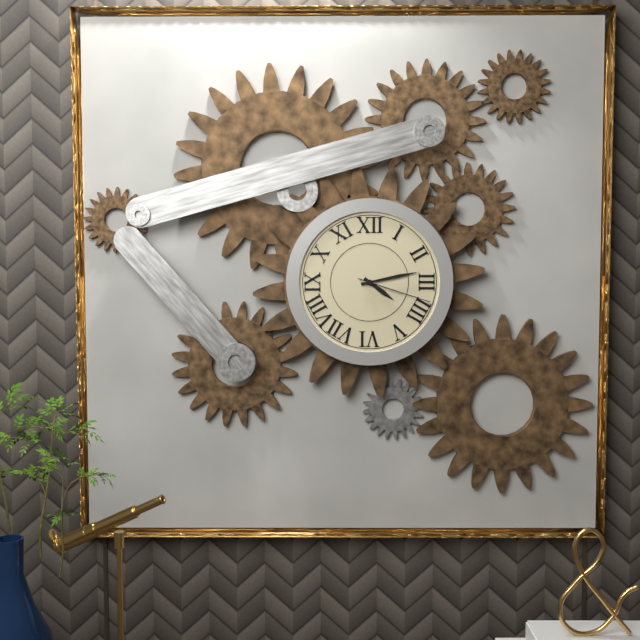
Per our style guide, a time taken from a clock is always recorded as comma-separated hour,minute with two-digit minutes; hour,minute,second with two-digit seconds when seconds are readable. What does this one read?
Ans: 4,13,18
